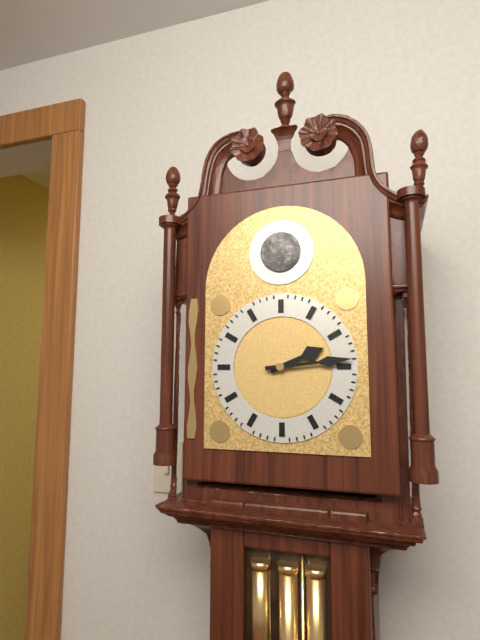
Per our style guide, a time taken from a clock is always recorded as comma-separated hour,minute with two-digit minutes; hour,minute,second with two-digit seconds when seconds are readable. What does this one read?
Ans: 2,14
